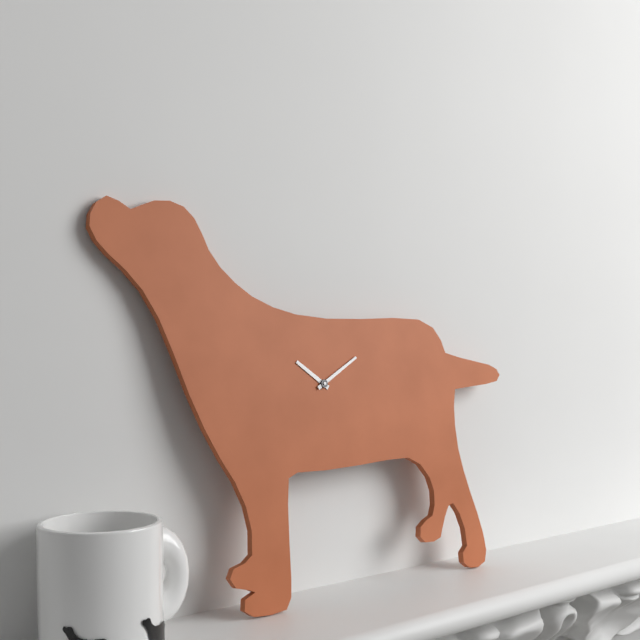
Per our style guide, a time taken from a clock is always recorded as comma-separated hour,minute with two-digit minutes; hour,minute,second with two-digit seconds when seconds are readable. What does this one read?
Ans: 10,10
